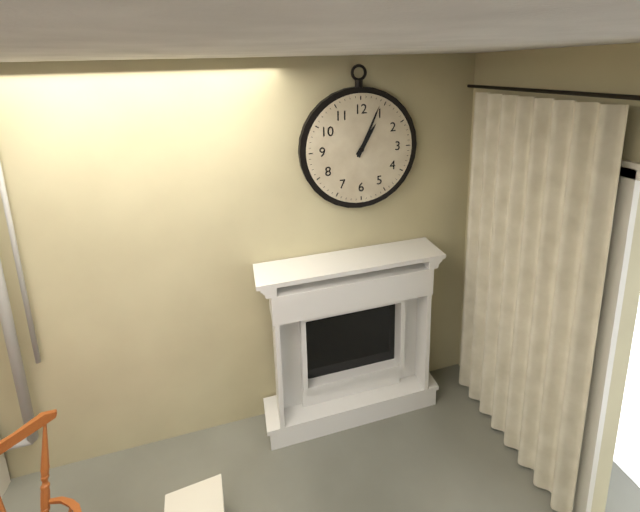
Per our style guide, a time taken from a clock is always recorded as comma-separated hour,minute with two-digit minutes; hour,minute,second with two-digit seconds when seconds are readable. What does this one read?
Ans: 1,04
